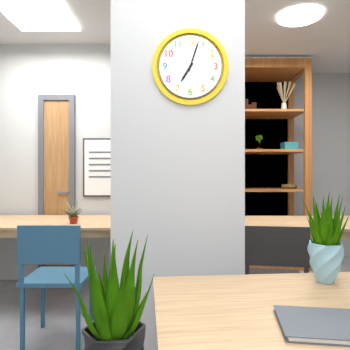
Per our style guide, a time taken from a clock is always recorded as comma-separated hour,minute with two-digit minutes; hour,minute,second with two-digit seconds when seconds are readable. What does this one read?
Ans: 7,03
